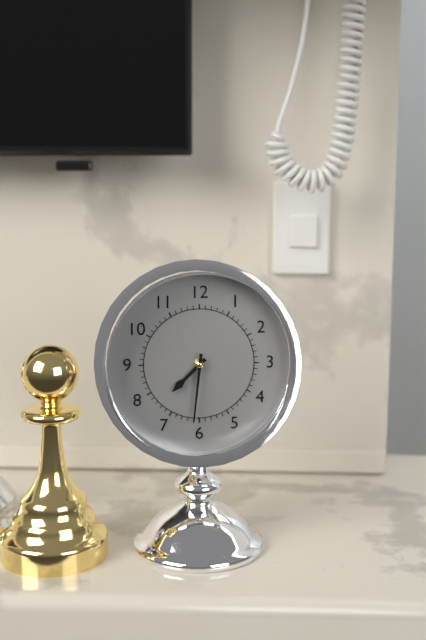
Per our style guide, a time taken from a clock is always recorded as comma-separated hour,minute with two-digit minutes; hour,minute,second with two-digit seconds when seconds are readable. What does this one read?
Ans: 7,31
